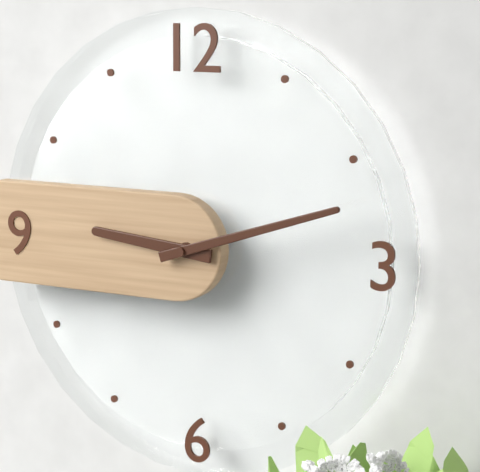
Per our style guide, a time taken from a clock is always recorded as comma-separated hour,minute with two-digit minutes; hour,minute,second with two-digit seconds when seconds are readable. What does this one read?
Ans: 9,12
